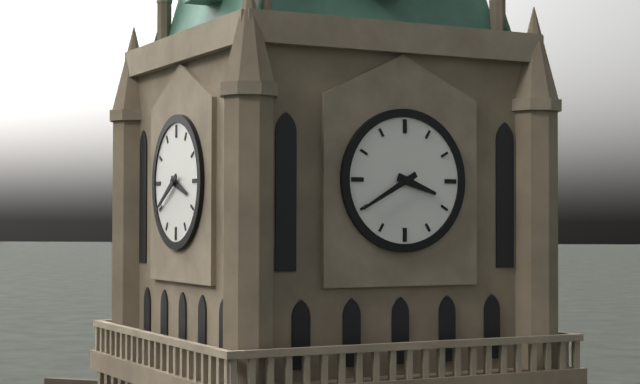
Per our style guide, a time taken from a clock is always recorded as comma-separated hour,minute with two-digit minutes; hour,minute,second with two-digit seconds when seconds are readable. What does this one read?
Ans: 3,40
